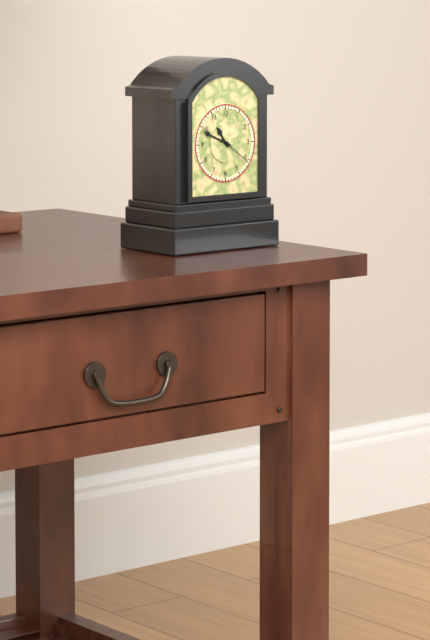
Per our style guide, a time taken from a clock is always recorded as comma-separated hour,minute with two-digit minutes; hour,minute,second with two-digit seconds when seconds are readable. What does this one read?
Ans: 10,49
